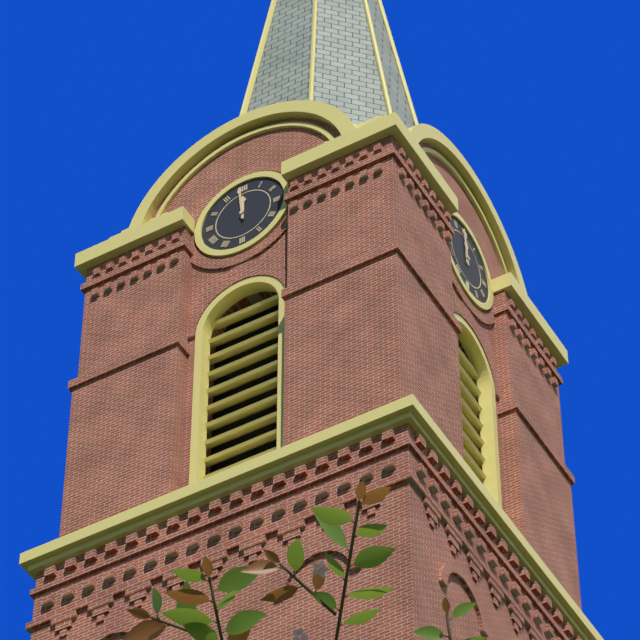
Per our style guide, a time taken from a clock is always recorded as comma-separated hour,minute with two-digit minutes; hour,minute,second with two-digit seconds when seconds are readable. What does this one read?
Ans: 11,59
